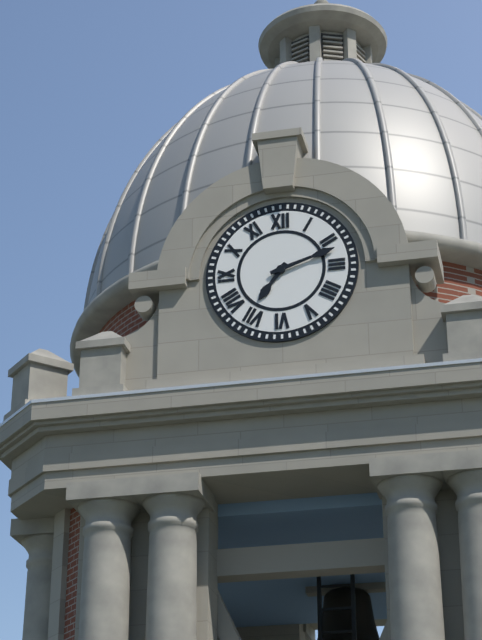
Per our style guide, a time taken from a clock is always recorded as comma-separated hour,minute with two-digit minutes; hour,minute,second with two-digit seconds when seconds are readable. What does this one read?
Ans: 7,12
